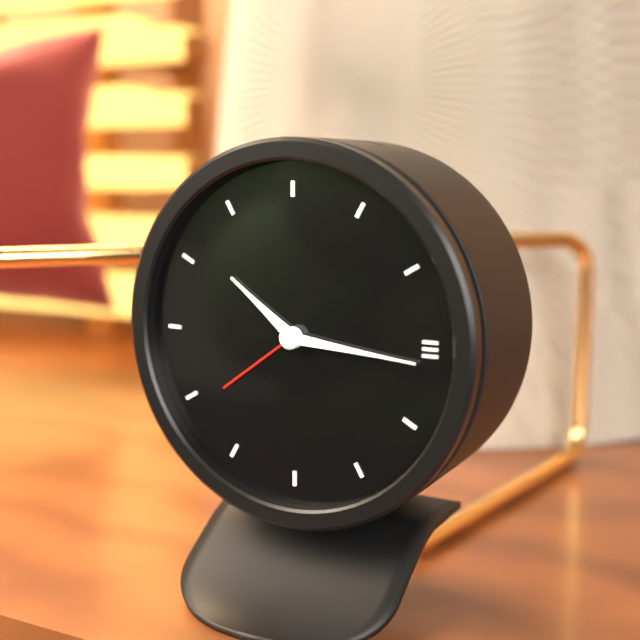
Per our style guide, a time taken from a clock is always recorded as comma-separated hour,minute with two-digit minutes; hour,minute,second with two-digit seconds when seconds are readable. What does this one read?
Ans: 10,16,39
